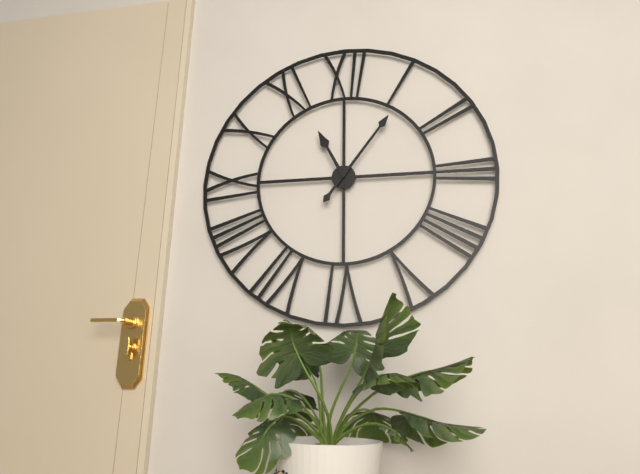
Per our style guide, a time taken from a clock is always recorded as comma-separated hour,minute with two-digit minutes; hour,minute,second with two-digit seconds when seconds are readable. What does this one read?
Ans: 11,06
